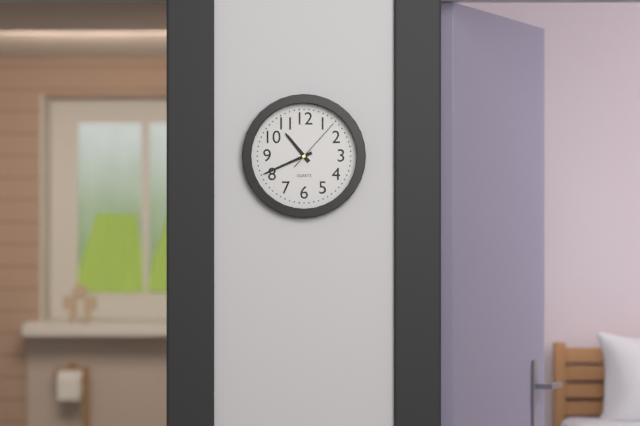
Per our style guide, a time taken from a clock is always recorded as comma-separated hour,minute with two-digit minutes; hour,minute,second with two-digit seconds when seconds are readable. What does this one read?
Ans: 10,41,07
